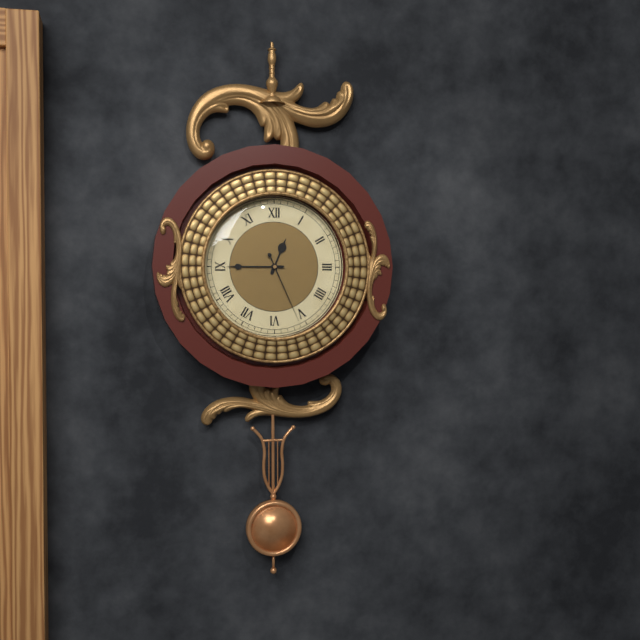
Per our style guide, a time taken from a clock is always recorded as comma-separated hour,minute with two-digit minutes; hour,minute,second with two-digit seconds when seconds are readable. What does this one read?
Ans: 12,45,26
